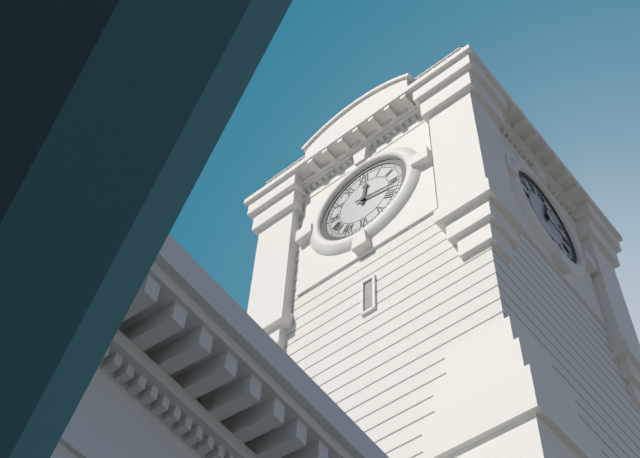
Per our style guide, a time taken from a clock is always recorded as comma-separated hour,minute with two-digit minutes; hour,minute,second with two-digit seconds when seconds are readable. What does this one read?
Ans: 12,17
